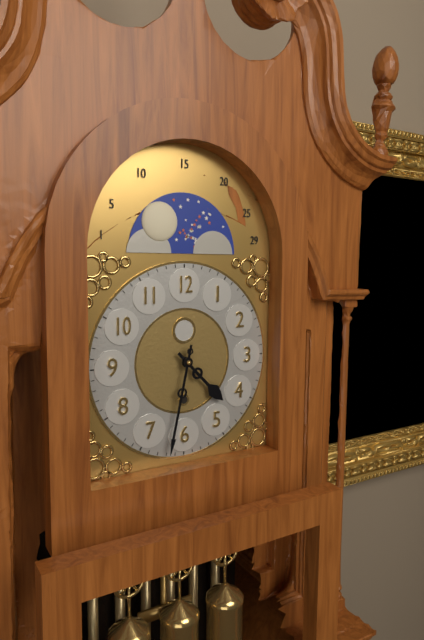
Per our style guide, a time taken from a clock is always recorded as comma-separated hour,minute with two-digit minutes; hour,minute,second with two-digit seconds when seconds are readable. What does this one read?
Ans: 4,32
